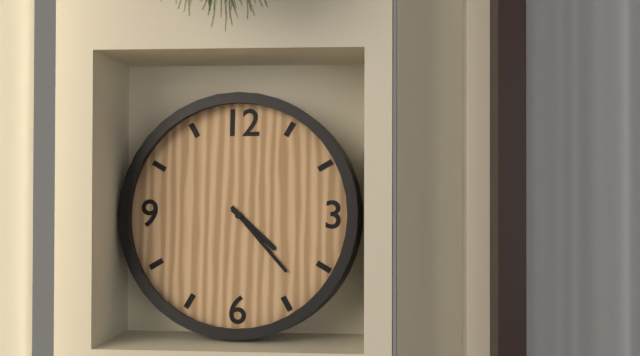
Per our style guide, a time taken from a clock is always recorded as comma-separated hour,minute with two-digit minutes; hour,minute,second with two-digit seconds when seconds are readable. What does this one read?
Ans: 4,23
